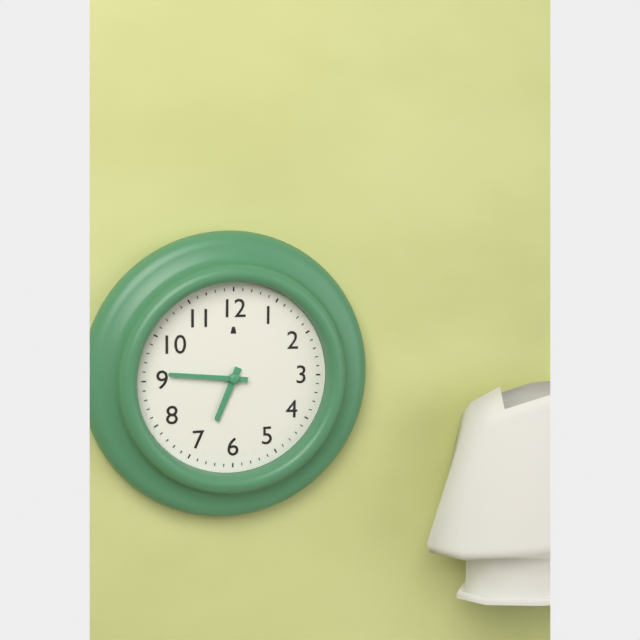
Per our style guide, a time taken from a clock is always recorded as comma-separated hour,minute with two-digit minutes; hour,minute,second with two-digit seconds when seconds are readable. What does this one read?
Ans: 6,46
